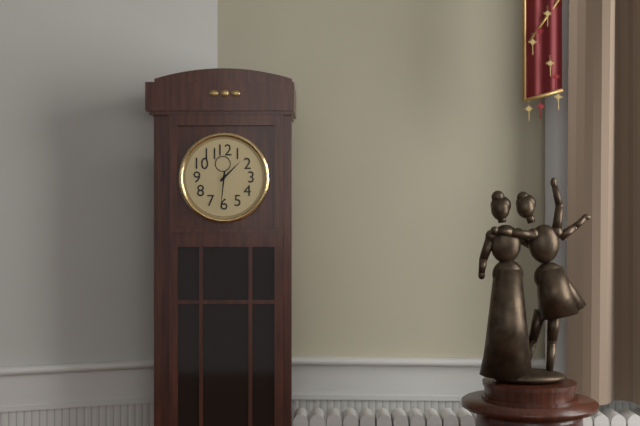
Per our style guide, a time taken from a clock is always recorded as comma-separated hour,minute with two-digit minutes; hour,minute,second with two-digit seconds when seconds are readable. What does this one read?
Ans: 1,31
